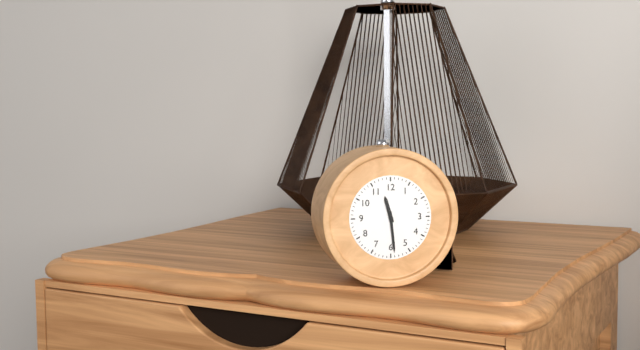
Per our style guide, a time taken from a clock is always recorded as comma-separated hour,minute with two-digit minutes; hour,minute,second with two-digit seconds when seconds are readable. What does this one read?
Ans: 11,29
